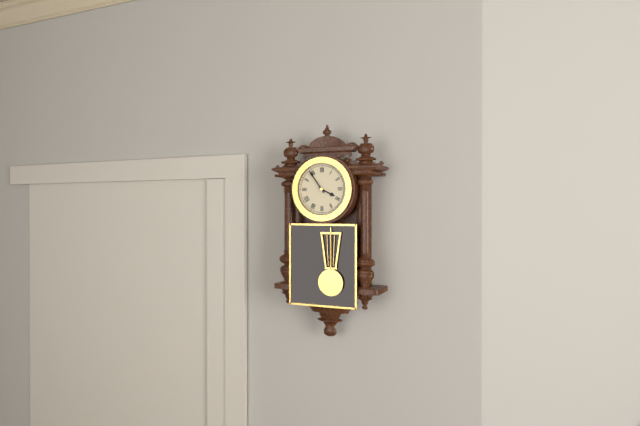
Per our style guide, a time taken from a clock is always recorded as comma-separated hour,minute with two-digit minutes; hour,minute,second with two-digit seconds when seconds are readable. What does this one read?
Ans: 3,54
